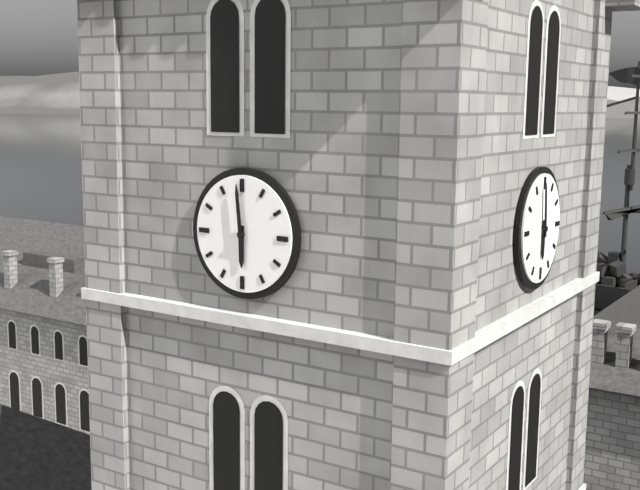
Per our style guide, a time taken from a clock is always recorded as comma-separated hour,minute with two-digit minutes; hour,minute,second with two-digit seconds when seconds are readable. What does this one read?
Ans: 5,59
